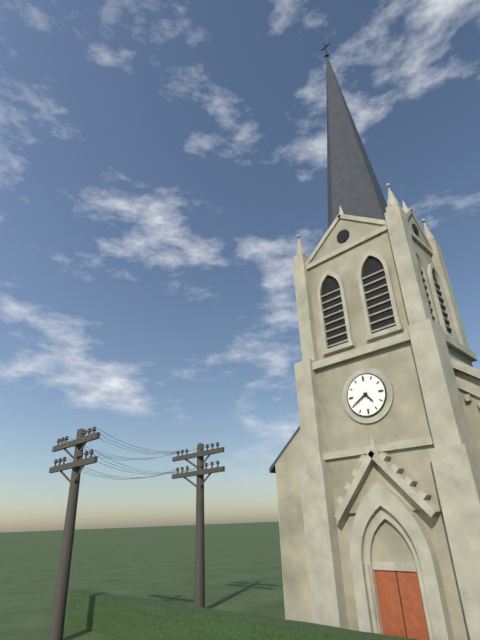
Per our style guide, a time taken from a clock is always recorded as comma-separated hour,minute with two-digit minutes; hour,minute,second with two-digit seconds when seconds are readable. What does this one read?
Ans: 4,40
